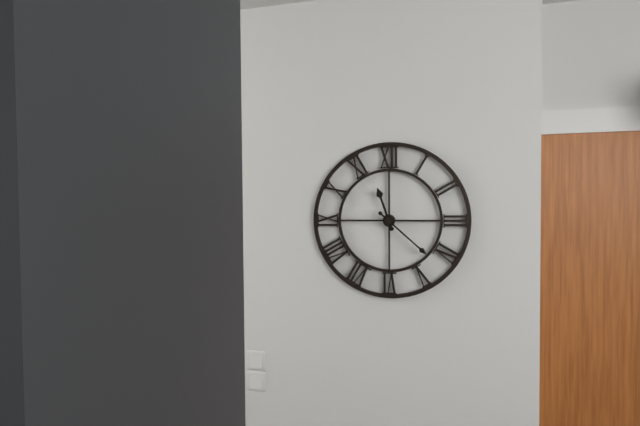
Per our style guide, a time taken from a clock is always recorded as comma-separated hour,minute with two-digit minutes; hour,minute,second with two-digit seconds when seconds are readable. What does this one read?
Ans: 11,22
